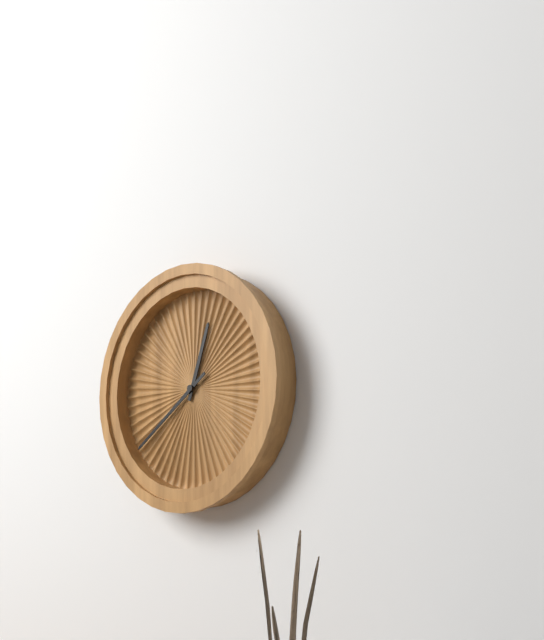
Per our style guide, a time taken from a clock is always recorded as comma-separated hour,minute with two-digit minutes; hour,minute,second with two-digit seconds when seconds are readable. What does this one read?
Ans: 12,39
